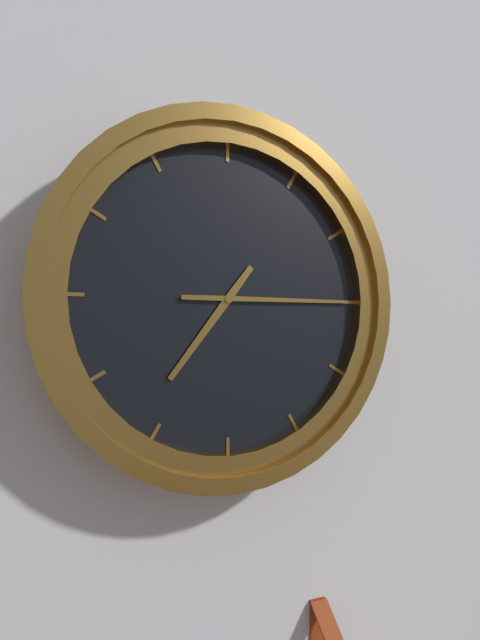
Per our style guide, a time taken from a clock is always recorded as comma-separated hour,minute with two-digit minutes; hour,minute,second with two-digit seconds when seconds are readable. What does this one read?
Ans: 7,15
